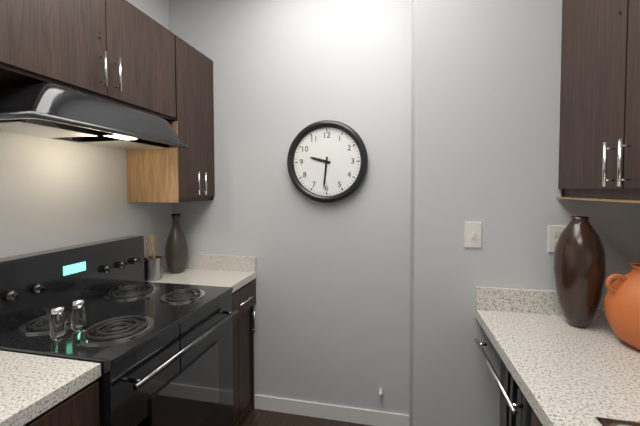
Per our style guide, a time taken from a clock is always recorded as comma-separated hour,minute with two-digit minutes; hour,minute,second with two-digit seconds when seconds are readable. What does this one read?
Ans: 9,31
